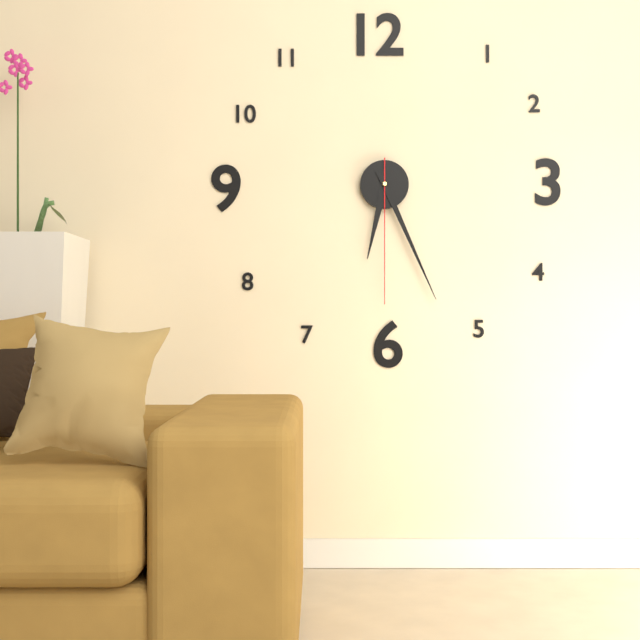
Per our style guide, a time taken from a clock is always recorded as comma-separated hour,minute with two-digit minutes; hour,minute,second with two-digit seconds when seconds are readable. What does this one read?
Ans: 6,26,30
